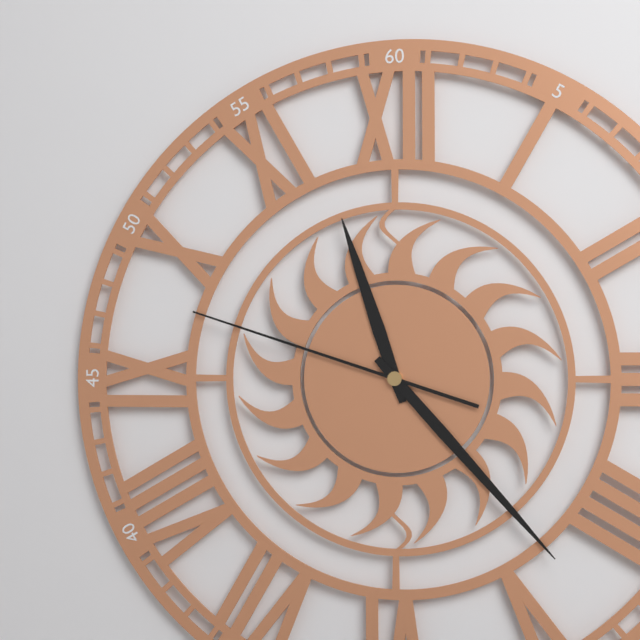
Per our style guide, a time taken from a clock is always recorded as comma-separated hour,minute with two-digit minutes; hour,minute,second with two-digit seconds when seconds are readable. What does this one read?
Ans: 11,23,48
